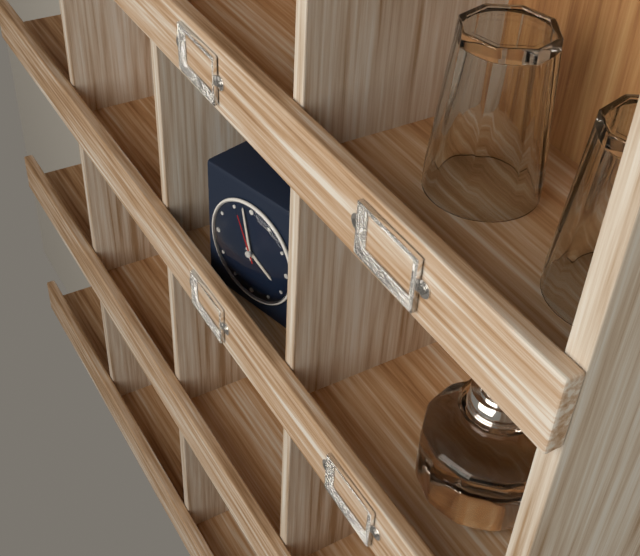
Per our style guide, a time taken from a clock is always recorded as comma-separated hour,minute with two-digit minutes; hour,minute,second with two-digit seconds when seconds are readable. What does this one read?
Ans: 3,58,56
